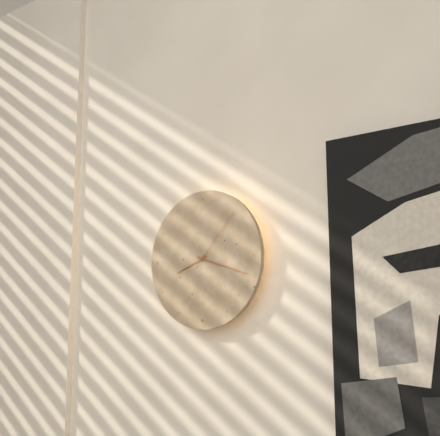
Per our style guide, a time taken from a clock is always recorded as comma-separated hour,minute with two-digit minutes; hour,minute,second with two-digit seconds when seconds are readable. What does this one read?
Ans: 8,18,07
